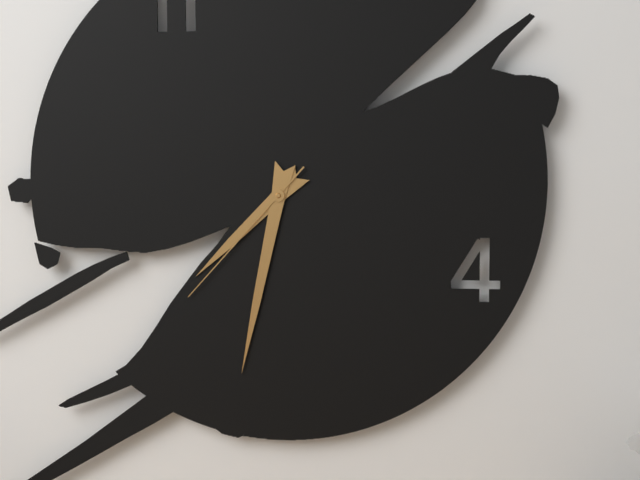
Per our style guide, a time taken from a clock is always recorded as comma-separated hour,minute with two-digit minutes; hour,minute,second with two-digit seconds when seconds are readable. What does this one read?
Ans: 7,32,37
